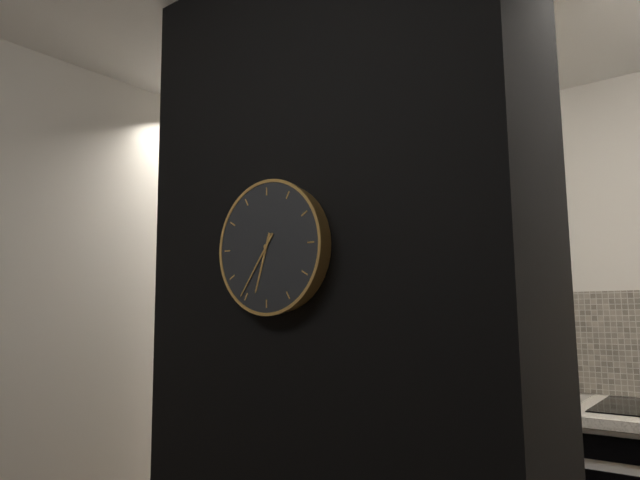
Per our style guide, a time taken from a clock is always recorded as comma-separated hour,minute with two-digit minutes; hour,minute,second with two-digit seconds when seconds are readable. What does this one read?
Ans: 6,36
